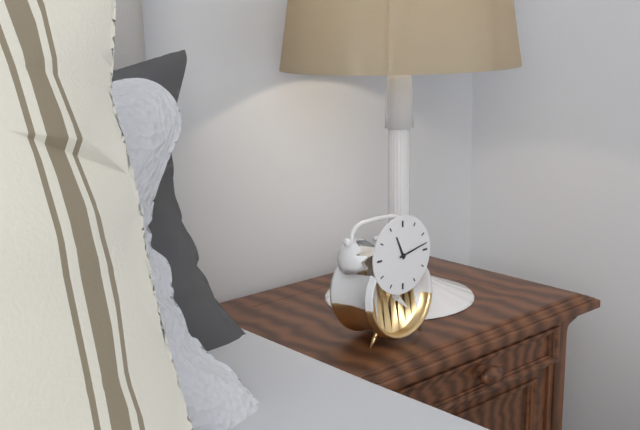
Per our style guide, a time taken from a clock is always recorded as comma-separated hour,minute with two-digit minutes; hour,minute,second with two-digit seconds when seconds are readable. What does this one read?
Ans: 11,13
